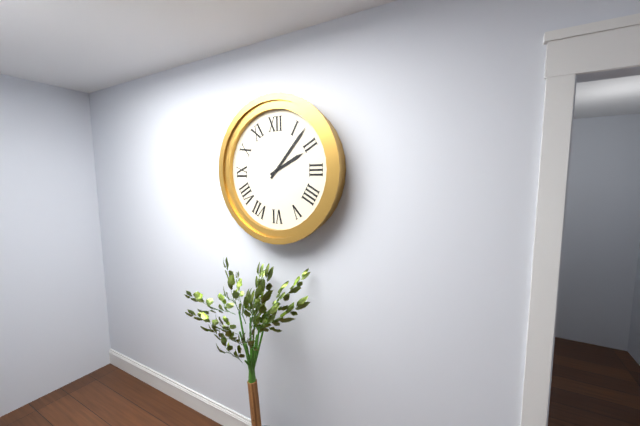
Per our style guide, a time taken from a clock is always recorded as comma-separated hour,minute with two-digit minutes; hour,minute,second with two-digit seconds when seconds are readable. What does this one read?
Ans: 2,07
